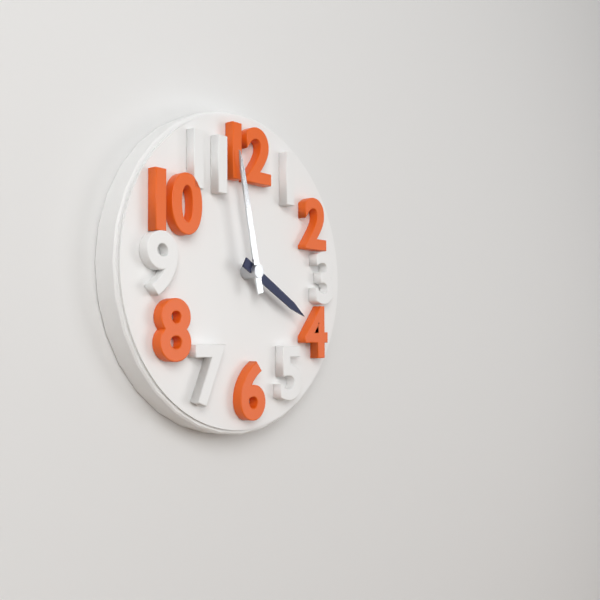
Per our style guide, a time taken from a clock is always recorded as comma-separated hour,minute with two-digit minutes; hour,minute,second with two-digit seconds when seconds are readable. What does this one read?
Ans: 3,58
